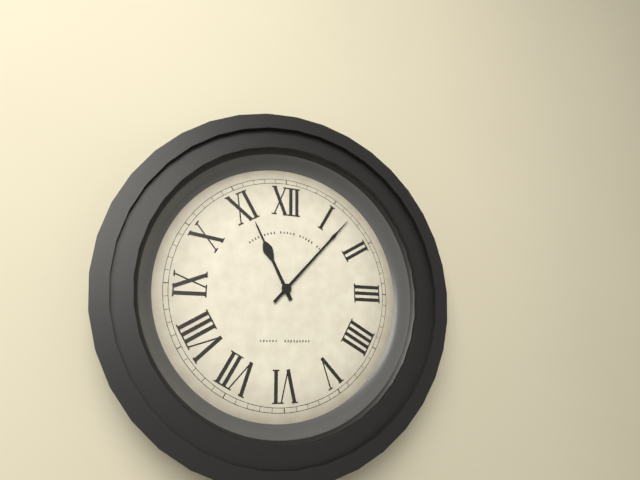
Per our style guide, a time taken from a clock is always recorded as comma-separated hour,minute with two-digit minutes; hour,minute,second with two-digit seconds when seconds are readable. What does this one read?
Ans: 11,07
